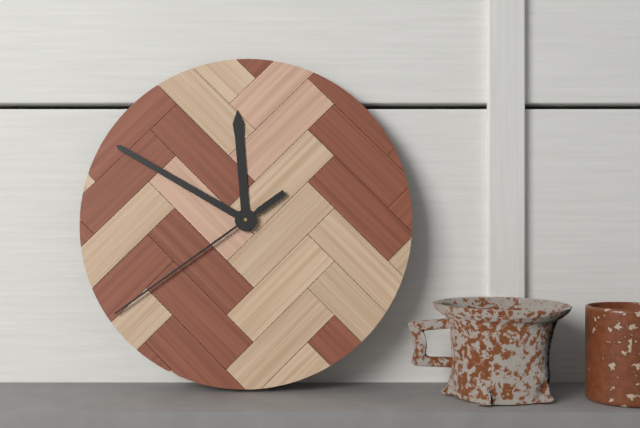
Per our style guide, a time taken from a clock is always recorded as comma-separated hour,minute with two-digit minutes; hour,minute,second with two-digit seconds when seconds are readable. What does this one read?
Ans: 11,50,39
